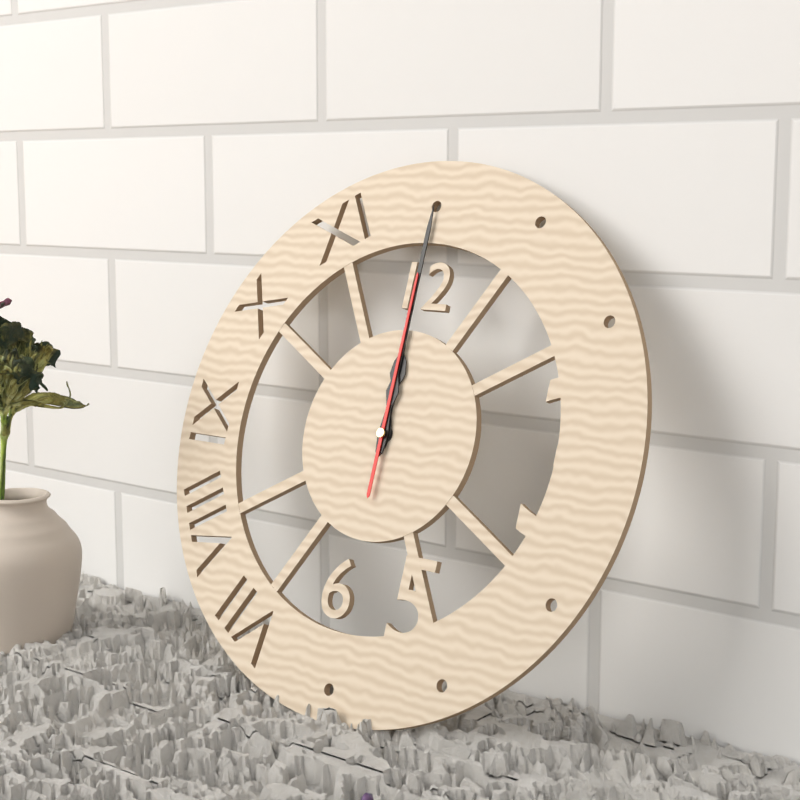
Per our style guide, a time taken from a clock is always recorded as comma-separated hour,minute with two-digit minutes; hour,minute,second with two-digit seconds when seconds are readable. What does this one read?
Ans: 12,00,00
